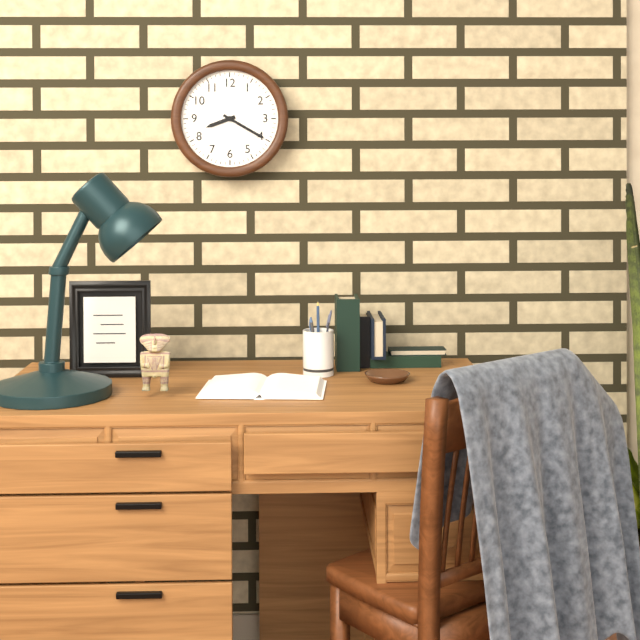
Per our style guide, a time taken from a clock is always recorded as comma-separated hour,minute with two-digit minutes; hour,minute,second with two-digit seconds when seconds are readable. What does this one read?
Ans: 8,20
